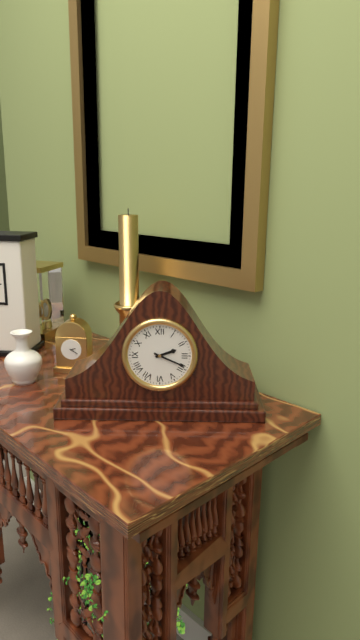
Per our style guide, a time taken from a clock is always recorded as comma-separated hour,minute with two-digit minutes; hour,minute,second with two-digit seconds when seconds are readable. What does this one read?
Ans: 2,19
